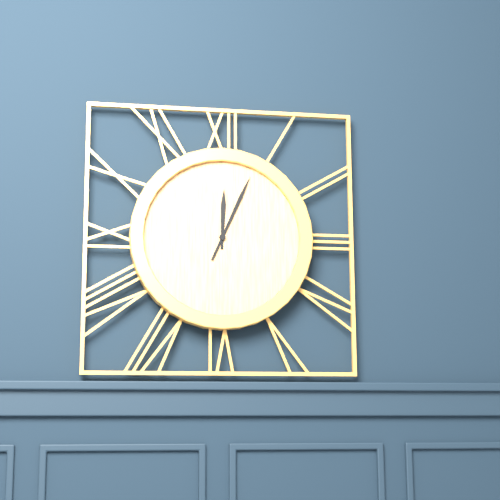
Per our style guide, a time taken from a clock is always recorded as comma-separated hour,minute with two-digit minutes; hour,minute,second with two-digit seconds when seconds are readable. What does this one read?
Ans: 12,04
